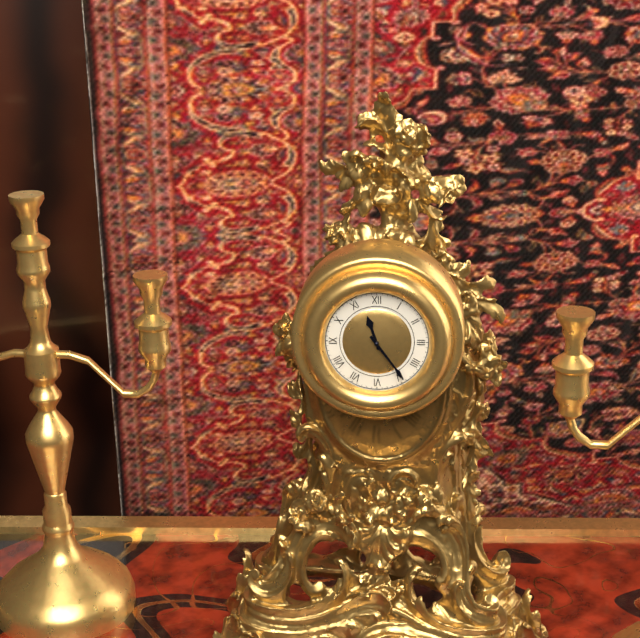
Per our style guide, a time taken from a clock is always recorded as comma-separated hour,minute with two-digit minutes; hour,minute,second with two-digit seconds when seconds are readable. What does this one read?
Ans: 11,24
